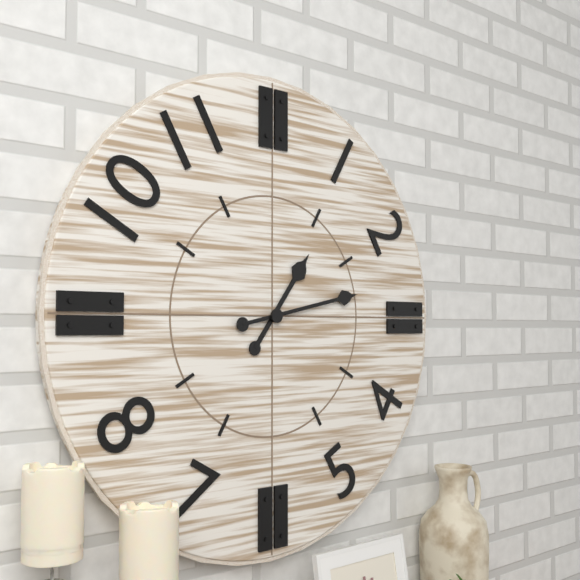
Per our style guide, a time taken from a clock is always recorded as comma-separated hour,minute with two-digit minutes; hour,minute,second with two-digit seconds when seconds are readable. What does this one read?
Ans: 1,13
